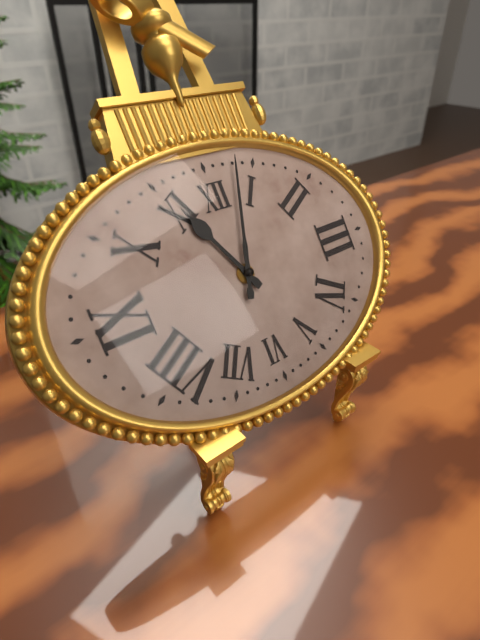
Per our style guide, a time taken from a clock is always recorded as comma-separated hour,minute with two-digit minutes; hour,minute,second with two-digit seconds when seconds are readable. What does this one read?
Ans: 11,03
